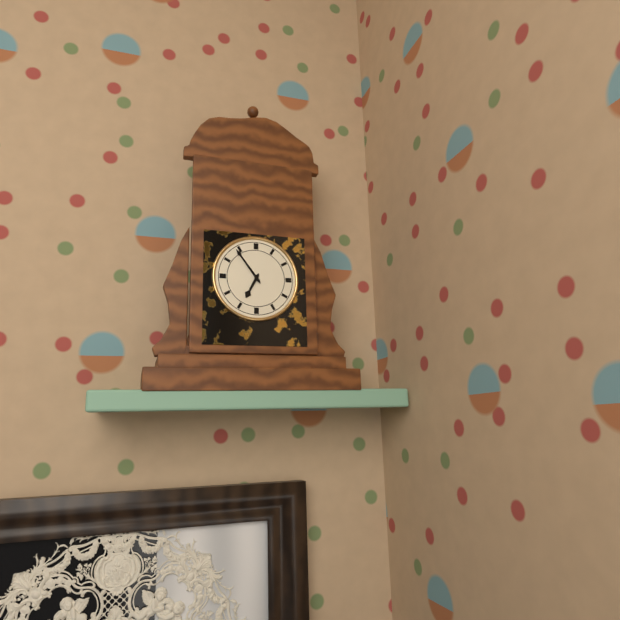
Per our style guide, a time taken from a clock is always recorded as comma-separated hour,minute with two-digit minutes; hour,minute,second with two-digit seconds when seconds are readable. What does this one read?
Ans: 6,54
